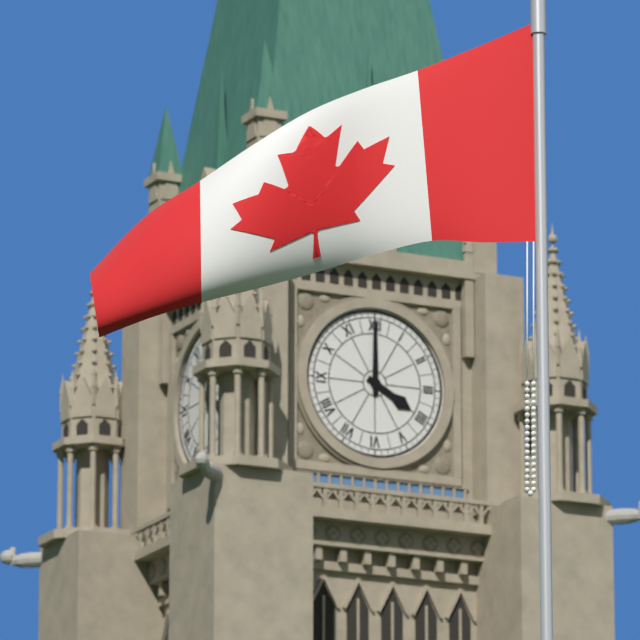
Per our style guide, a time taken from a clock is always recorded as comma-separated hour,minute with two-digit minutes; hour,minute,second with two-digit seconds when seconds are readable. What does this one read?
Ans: 4,00
